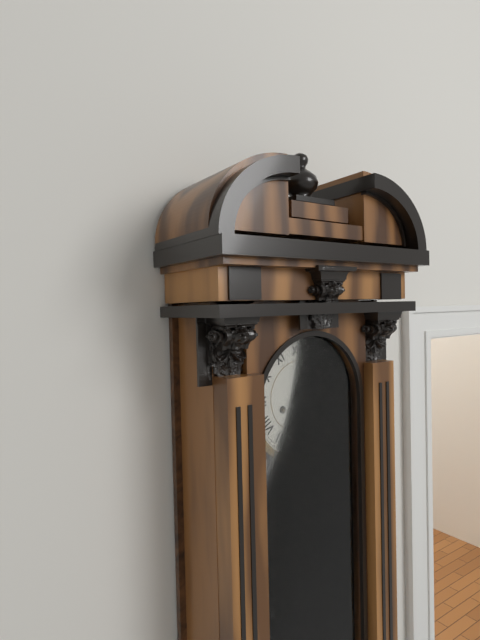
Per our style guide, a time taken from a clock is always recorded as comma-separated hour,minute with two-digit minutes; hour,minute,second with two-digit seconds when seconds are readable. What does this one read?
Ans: 6,07
